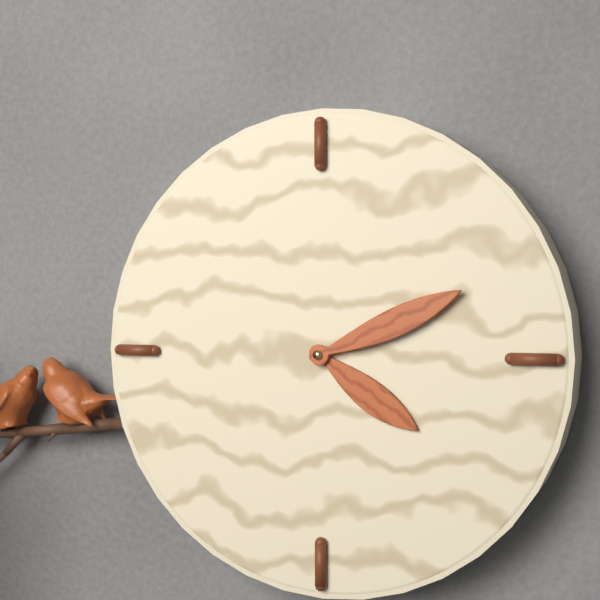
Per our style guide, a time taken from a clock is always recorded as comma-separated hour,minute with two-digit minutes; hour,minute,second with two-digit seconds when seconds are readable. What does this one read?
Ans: 4,11
